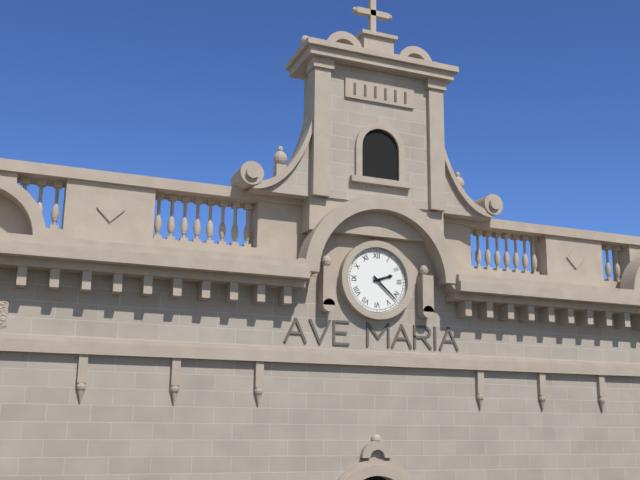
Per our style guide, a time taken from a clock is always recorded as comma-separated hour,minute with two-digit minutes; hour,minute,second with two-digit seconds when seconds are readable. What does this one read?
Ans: 2,22
